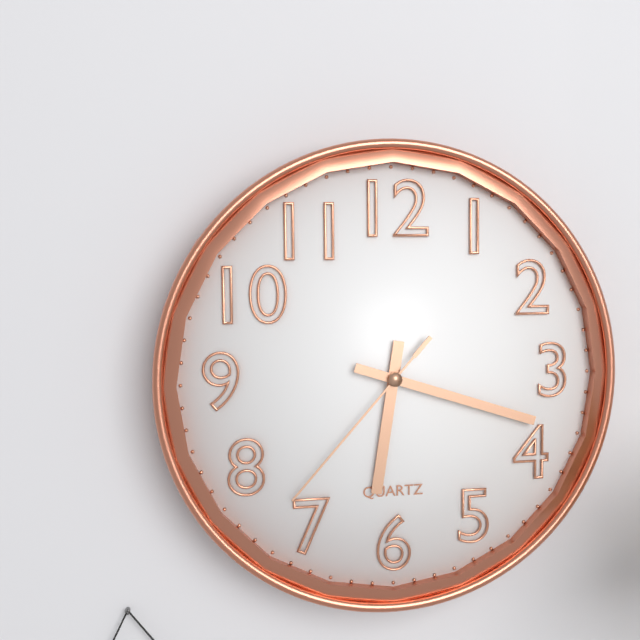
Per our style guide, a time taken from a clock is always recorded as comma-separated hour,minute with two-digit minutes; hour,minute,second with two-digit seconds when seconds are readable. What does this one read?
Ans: 6,18,37
